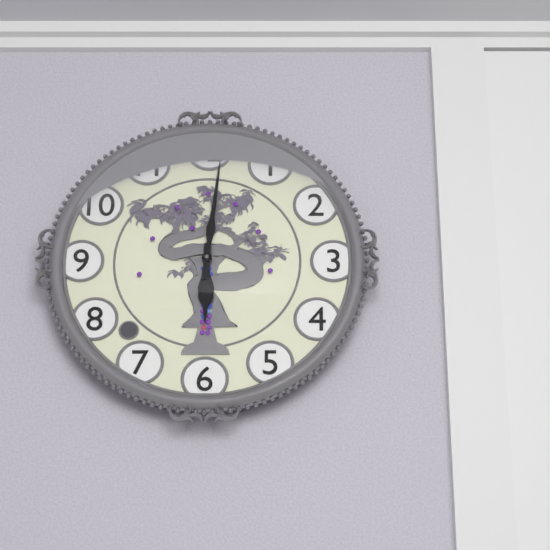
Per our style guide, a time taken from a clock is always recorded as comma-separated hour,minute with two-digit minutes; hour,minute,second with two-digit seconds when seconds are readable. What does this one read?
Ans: 6,01
